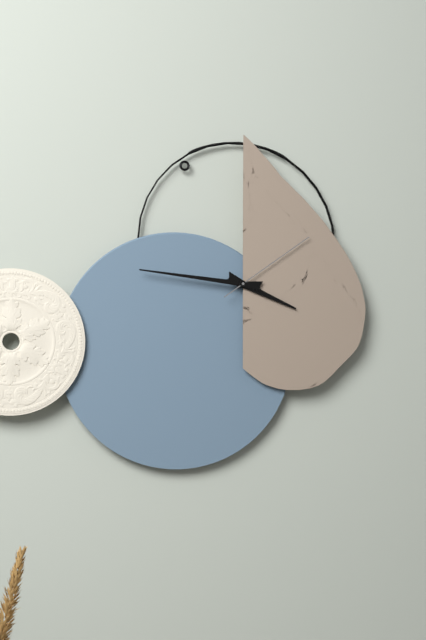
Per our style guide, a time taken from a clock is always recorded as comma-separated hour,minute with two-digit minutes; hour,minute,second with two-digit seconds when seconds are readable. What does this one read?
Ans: 3,46,09
